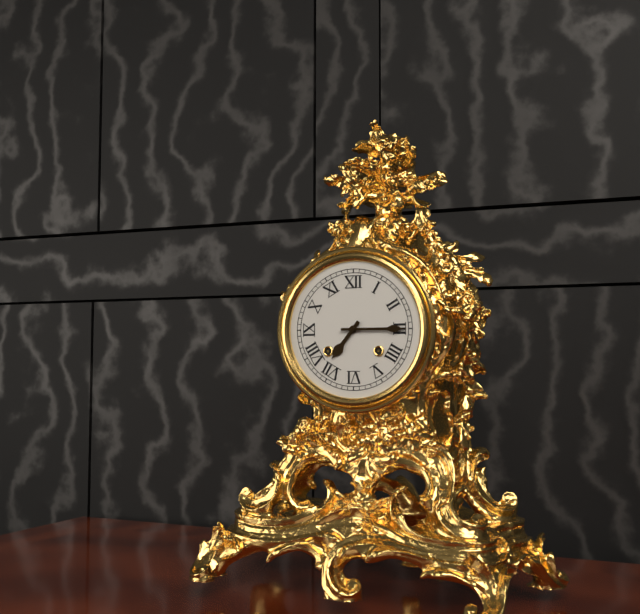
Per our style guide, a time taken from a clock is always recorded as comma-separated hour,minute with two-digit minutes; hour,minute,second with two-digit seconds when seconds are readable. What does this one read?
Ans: 7,15
